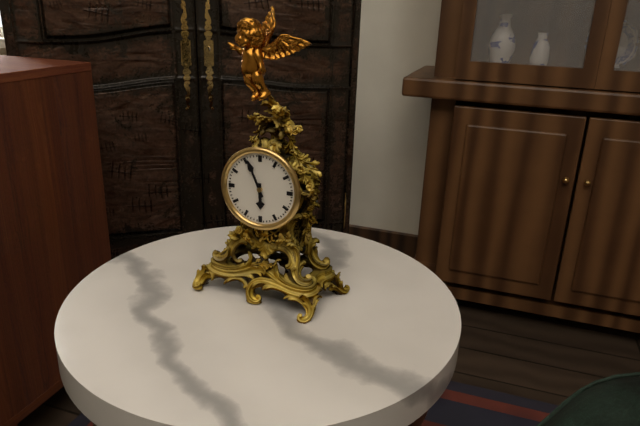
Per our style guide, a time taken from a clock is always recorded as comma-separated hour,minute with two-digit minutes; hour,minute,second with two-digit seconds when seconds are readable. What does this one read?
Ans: 5,56
